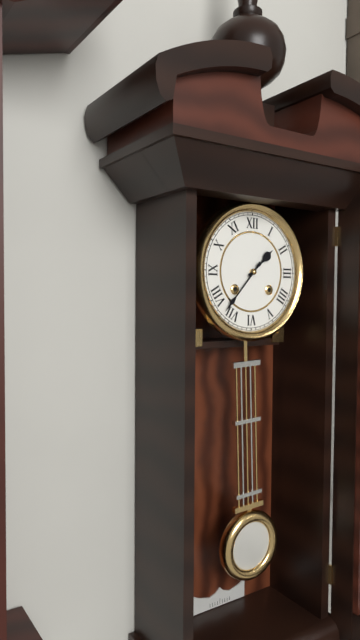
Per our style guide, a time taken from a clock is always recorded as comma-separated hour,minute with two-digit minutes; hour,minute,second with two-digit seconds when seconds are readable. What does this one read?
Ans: 1,37
